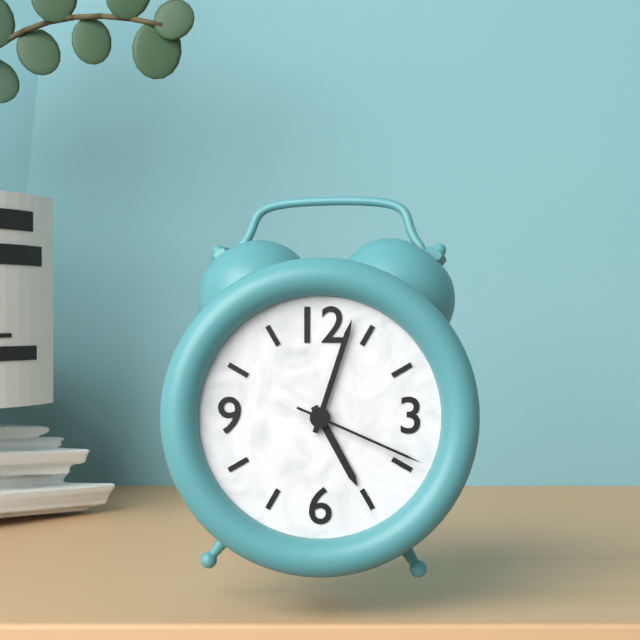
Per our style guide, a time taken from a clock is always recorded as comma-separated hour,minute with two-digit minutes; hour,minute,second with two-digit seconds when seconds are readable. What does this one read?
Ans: 5,03,19
